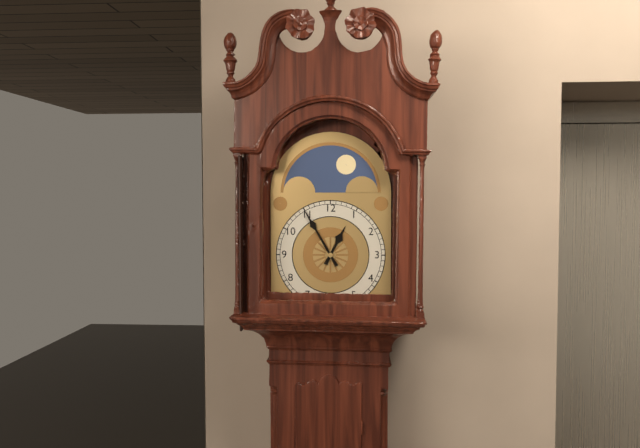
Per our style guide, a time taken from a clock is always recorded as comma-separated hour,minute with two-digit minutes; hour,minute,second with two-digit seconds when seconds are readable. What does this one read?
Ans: 12,55
